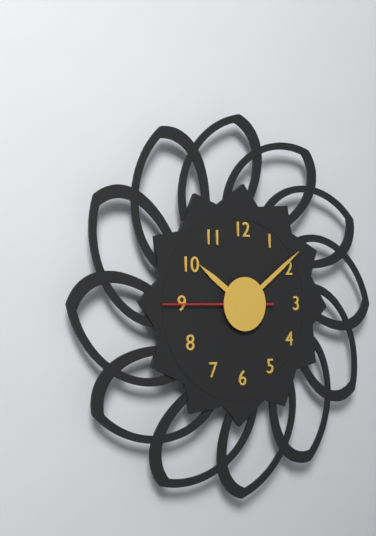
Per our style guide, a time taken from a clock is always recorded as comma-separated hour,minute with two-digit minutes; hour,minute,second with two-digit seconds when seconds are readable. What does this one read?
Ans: 10,09,45
